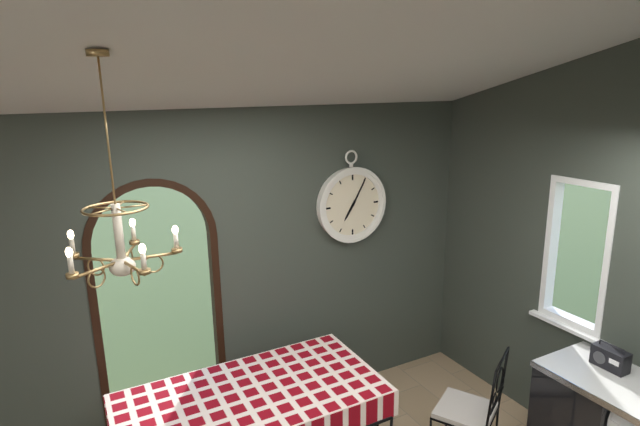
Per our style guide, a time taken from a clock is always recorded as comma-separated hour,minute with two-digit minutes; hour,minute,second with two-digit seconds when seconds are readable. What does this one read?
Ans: 7,05
